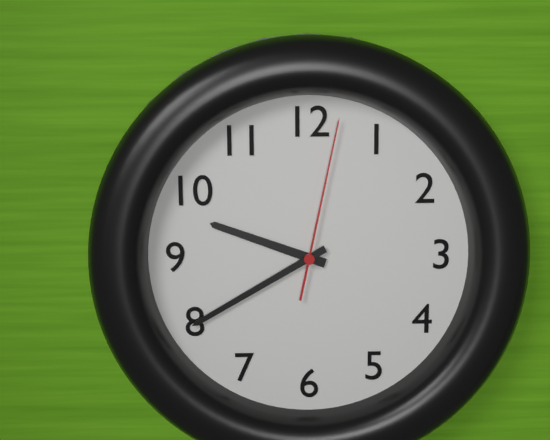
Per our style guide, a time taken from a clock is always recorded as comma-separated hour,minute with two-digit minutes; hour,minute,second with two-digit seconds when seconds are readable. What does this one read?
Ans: 9,40,02
